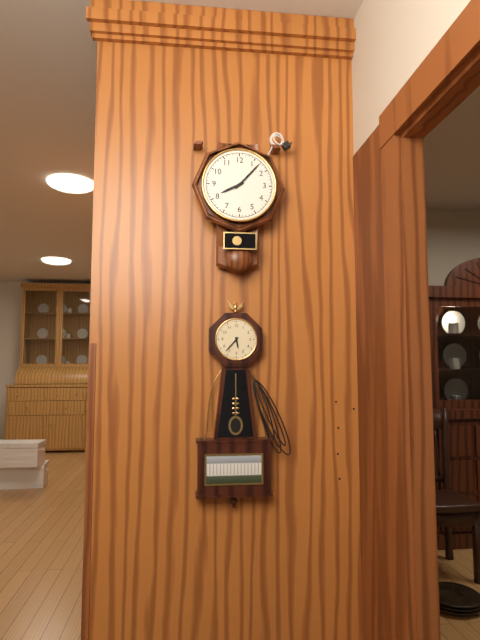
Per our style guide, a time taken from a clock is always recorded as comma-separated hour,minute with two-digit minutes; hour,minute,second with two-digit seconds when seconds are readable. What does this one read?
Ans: 8,07
